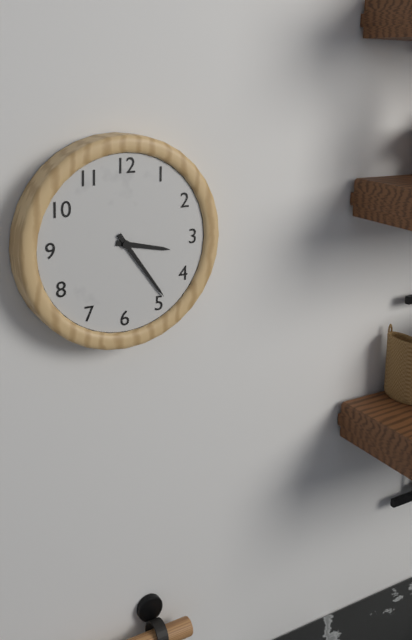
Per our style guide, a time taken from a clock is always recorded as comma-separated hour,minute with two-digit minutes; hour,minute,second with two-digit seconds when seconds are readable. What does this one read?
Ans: 3,24
